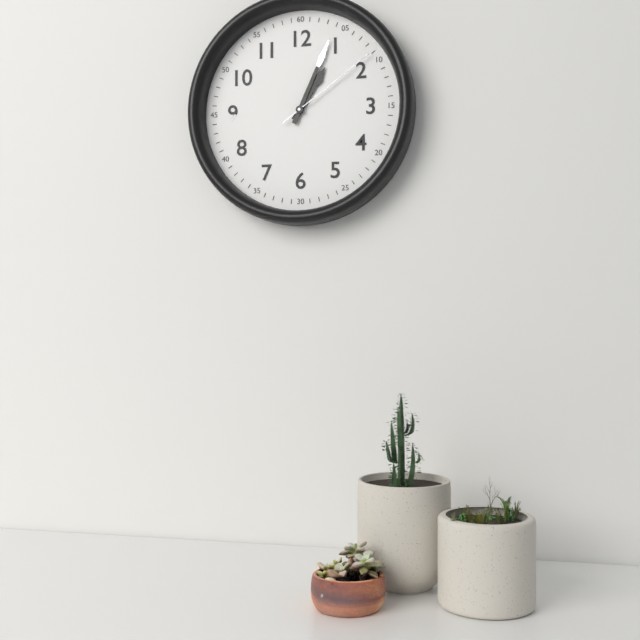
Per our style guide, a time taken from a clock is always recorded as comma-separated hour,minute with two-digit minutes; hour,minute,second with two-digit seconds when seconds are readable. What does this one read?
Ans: 1,04,09
